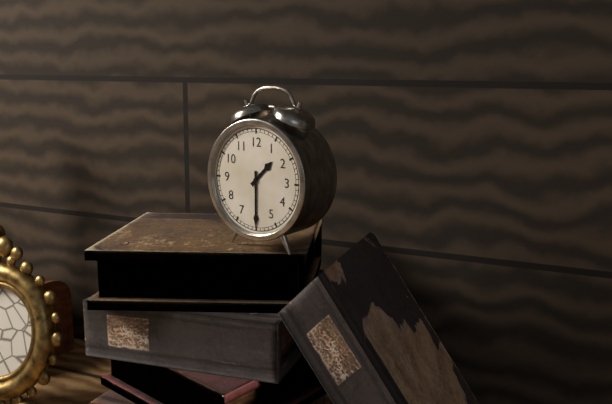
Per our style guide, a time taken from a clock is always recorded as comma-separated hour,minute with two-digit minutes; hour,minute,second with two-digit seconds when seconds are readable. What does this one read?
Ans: 1,30
